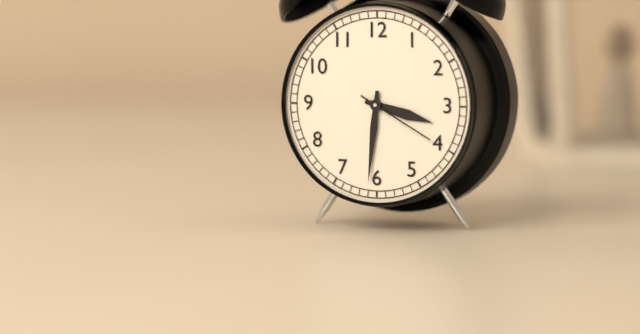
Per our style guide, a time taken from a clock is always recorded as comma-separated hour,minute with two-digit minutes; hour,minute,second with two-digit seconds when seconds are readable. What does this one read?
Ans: 3,31,20
